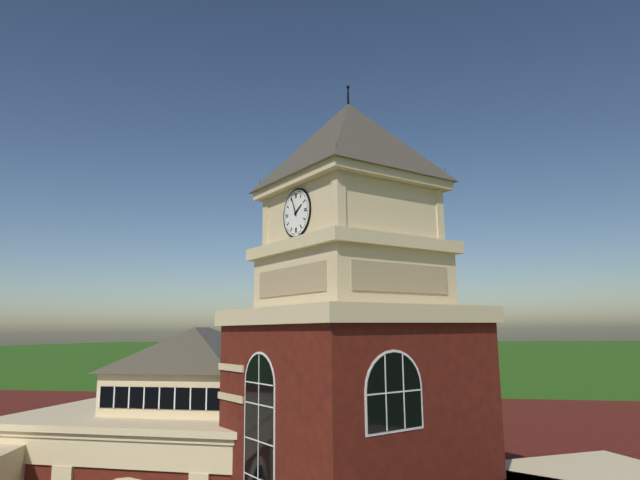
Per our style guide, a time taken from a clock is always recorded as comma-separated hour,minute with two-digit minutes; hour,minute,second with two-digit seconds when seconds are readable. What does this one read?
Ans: 1,56
